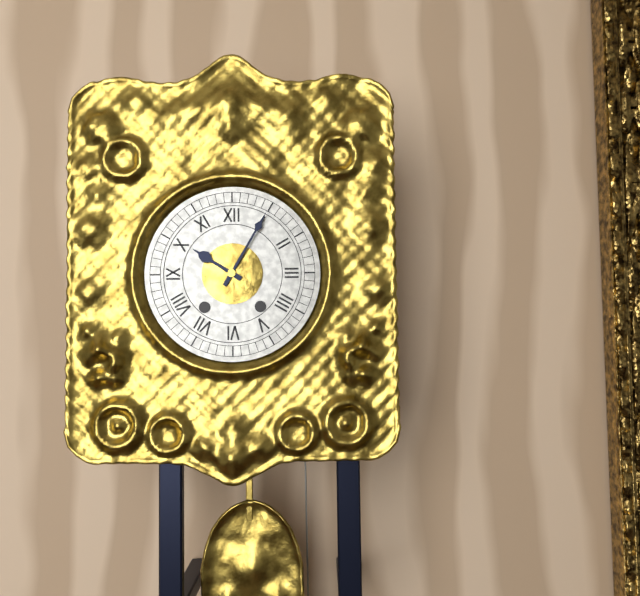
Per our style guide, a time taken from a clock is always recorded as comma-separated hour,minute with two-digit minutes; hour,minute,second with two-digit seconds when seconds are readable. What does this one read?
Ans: 10,05
